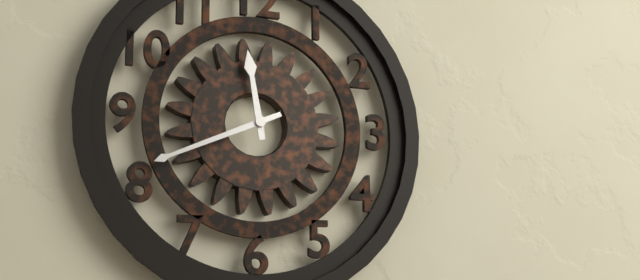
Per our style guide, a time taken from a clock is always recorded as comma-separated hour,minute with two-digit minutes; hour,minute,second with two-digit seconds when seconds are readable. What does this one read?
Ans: 11,41
